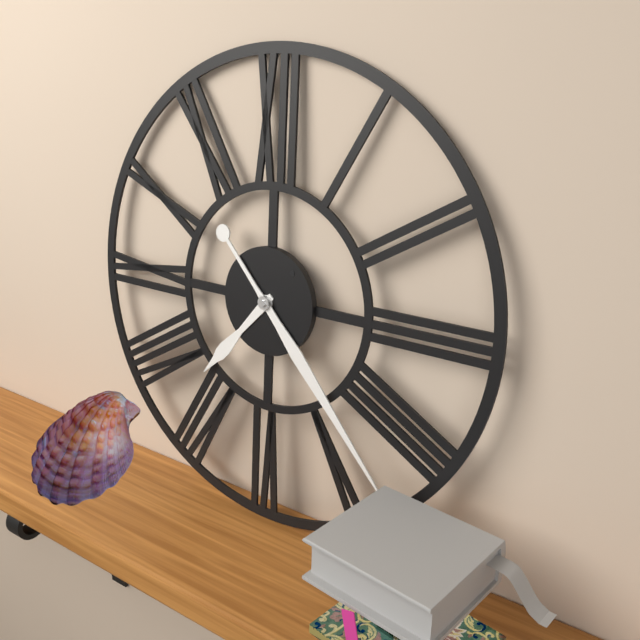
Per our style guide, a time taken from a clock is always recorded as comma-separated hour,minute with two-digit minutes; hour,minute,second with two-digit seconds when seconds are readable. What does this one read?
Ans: 7,23
